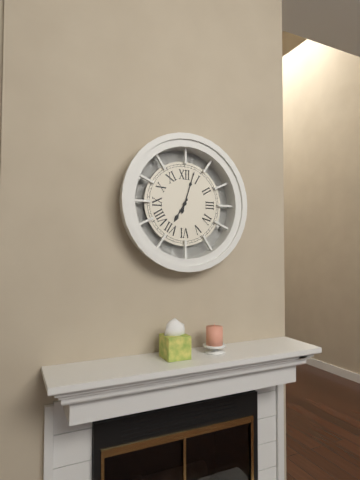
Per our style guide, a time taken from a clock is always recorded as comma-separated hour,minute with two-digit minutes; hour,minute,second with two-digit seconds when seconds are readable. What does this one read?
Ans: 7,03
